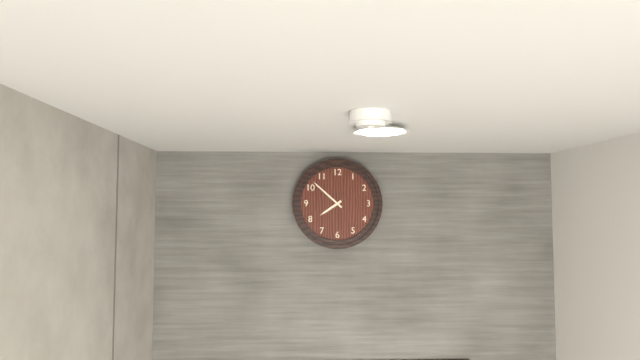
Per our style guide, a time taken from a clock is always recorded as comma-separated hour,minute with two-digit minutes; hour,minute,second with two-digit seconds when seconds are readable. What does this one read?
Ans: 7,52
